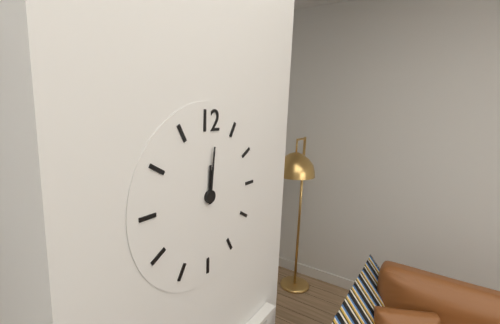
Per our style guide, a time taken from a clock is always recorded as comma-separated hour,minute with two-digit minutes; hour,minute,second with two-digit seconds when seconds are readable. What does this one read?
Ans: 12,01
